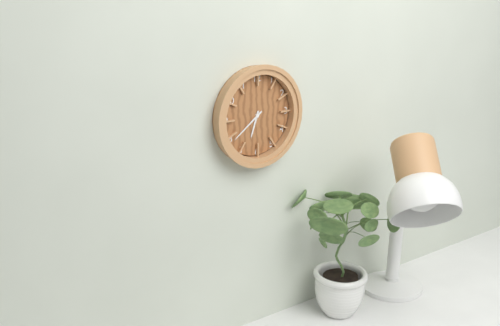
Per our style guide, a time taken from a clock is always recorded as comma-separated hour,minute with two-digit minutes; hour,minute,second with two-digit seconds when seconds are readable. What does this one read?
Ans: 6,39
